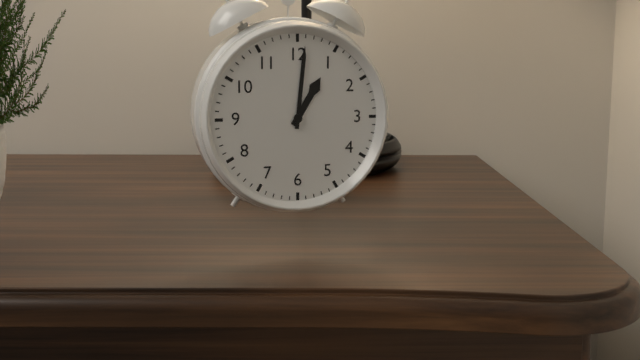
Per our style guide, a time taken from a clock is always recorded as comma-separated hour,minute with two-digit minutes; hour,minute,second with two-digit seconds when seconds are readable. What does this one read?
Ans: 1,01
